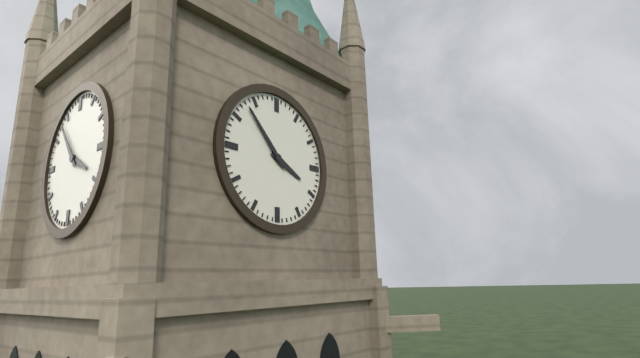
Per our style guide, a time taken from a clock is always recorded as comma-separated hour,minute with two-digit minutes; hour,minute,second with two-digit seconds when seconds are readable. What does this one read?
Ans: 3,53
